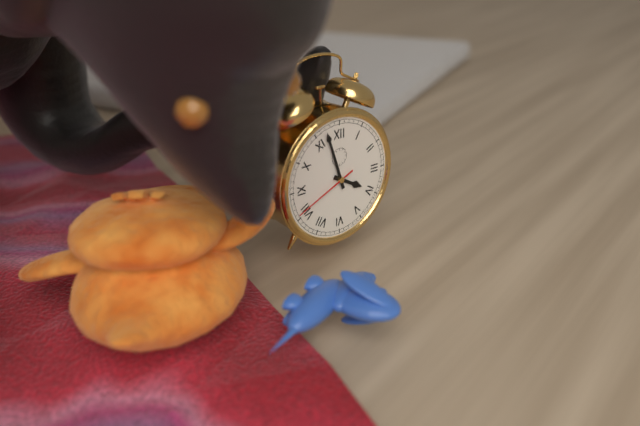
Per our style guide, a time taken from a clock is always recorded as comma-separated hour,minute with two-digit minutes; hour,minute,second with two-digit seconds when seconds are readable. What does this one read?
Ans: 3,57,41
